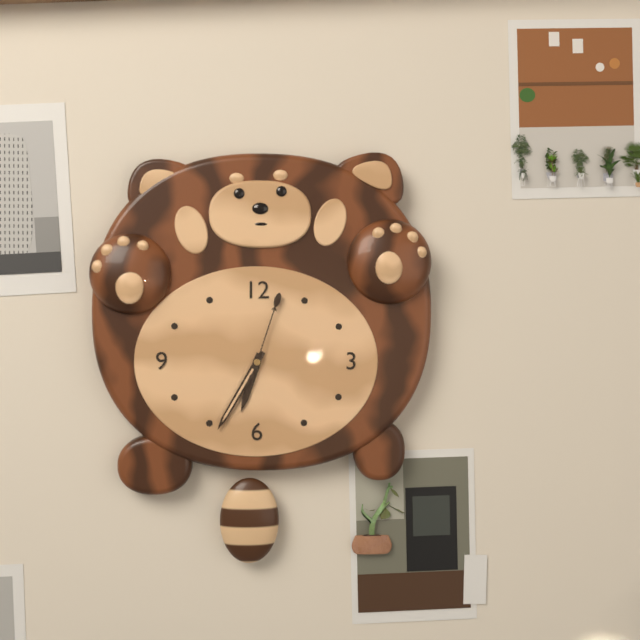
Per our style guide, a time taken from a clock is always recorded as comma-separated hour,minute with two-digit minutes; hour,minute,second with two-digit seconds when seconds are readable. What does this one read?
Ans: 6,35,03
